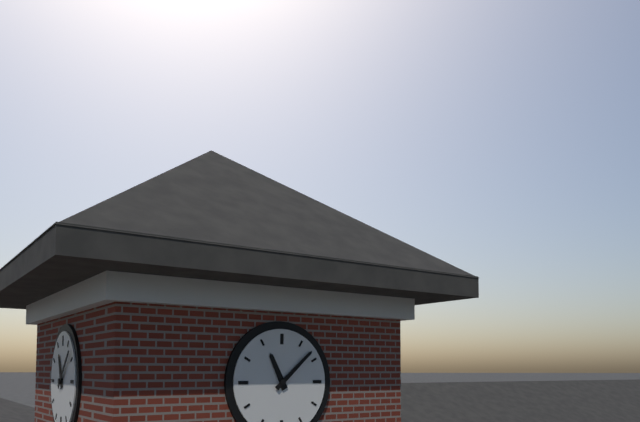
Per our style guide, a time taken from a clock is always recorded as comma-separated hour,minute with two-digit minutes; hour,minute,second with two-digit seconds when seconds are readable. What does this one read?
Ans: 11,08
